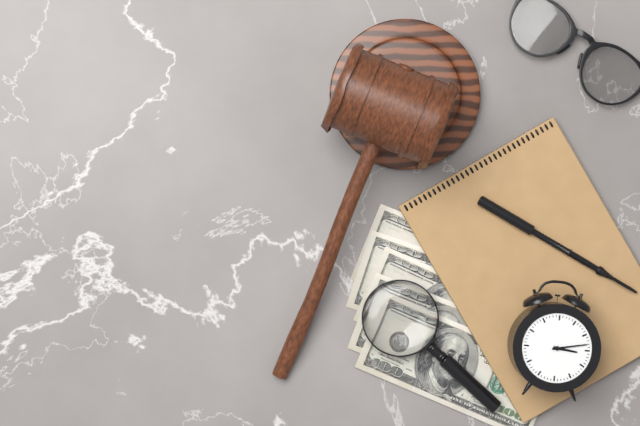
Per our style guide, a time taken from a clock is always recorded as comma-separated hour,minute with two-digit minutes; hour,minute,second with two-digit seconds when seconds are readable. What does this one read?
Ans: 3,13
